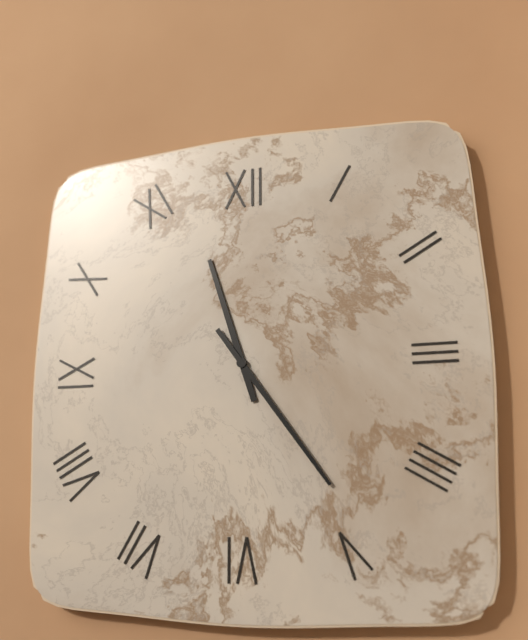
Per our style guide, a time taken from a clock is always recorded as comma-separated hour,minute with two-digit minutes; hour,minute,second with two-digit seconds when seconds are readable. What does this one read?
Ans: 11,24
